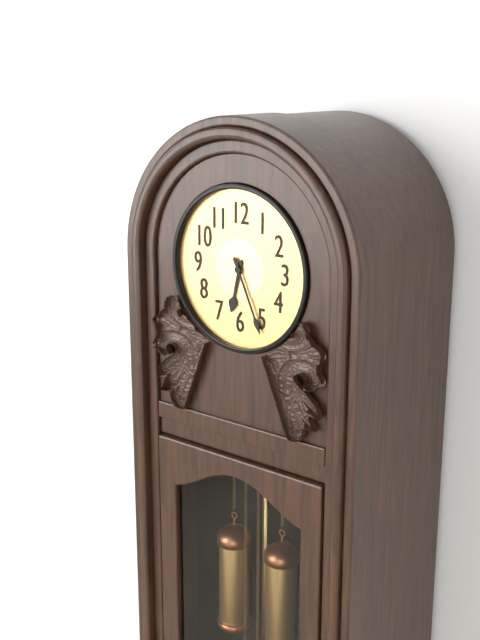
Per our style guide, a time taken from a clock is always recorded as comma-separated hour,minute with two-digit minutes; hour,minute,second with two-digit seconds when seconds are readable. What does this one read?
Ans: 6,26
